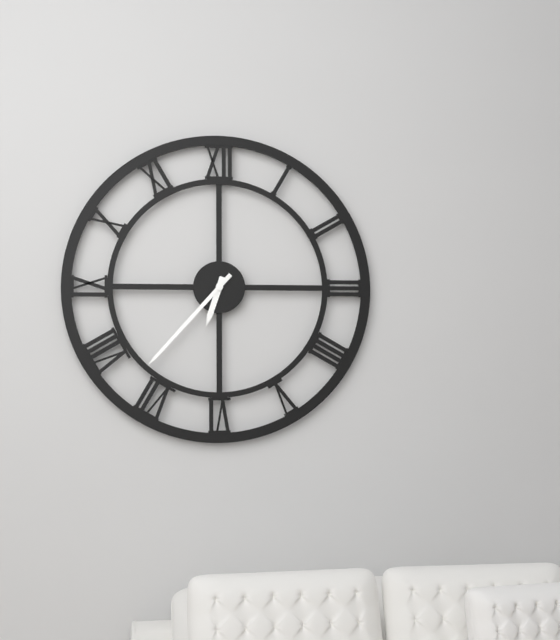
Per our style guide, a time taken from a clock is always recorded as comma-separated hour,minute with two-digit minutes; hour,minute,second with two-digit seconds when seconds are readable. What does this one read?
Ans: 6,37
